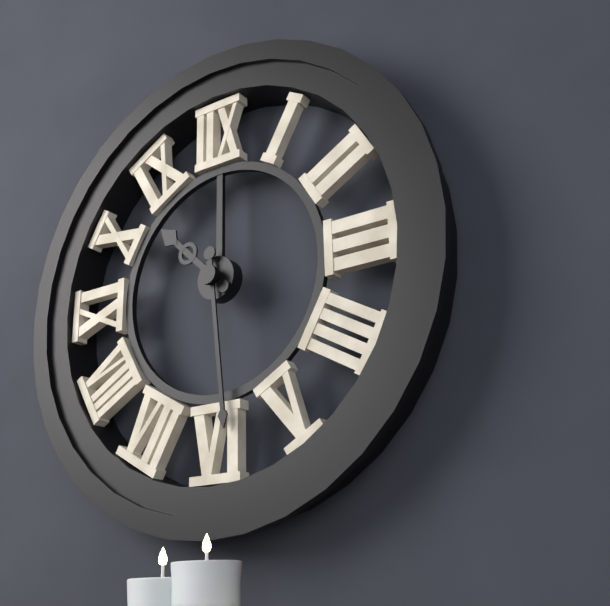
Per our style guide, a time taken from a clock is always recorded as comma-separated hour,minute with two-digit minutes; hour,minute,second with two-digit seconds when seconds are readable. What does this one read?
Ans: 10,29
